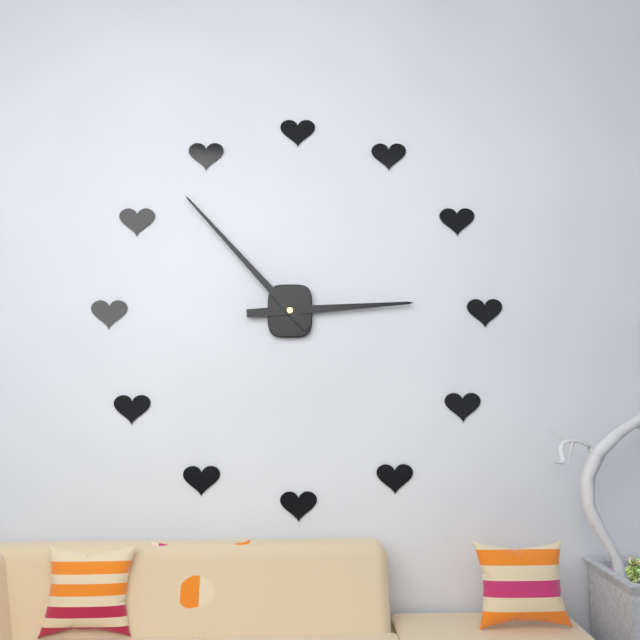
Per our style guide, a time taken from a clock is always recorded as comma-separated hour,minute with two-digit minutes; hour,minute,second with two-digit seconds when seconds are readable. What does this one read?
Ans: 2,53
